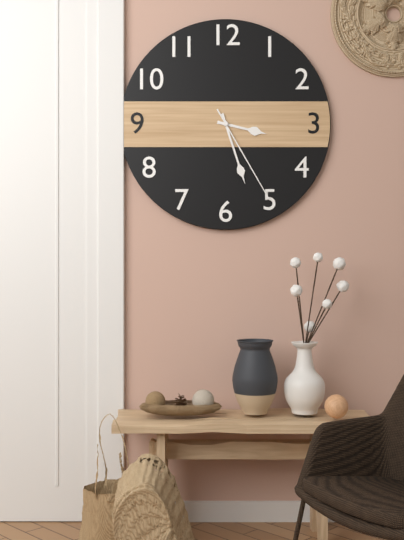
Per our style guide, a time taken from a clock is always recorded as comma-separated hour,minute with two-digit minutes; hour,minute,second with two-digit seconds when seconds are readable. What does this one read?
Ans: 3,27,25
